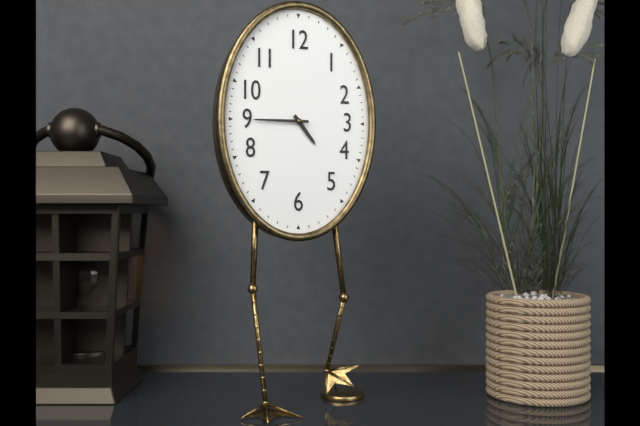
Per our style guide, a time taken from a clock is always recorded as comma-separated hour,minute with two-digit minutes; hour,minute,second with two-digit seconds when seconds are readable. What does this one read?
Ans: 4,45
